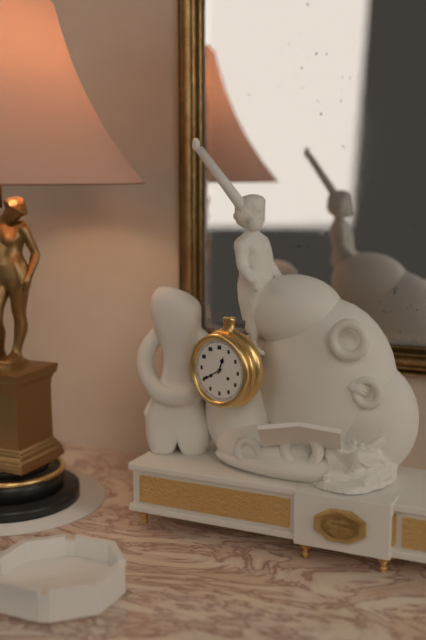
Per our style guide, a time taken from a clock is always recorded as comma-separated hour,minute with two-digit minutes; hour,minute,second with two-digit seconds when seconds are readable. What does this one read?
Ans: 12,40
